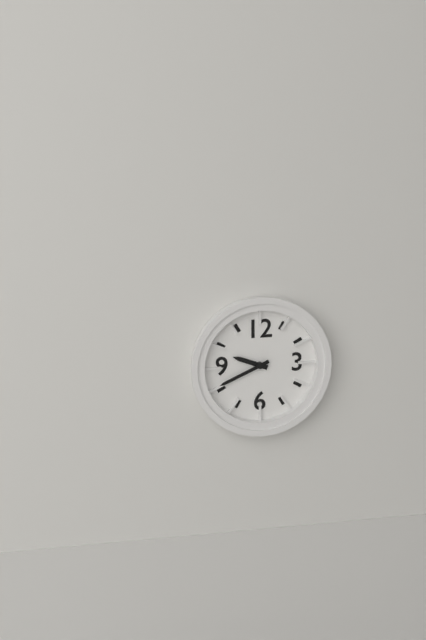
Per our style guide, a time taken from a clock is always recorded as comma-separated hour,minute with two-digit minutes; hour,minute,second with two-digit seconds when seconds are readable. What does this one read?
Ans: 9,41
